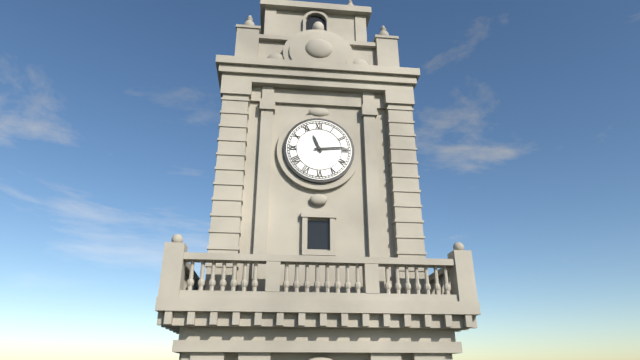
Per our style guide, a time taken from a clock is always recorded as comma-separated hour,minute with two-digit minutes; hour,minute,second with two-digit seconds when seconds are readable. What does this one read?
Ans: 11,14
